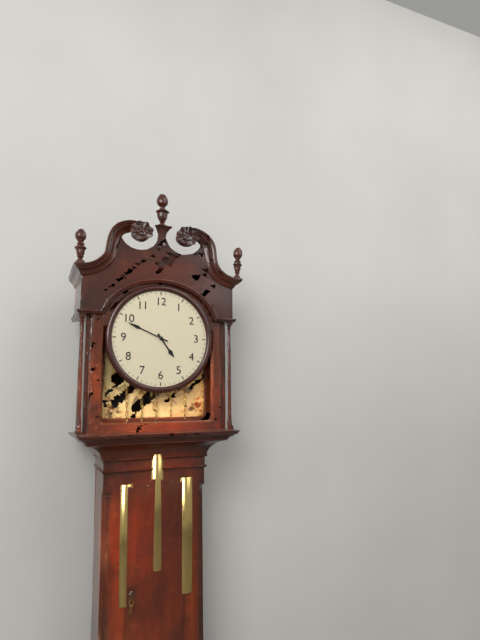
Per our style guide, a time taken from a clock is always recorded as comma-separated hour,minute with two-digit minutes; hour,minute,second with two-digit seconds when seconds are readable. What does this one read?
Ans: 4,49
